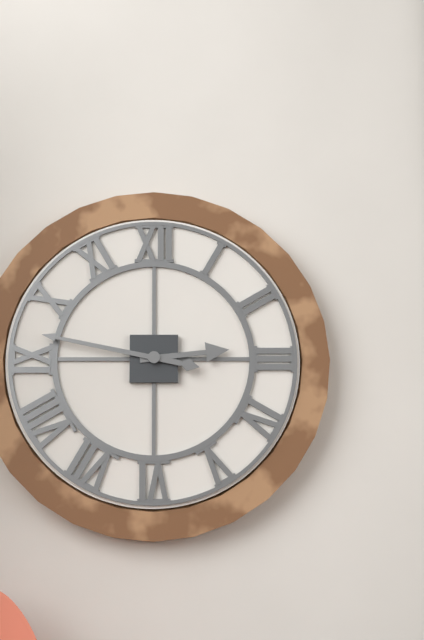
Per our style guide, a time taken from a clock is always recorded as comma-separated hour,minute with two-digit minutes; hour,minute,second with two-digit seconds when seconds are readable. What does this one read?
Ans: 2,47
